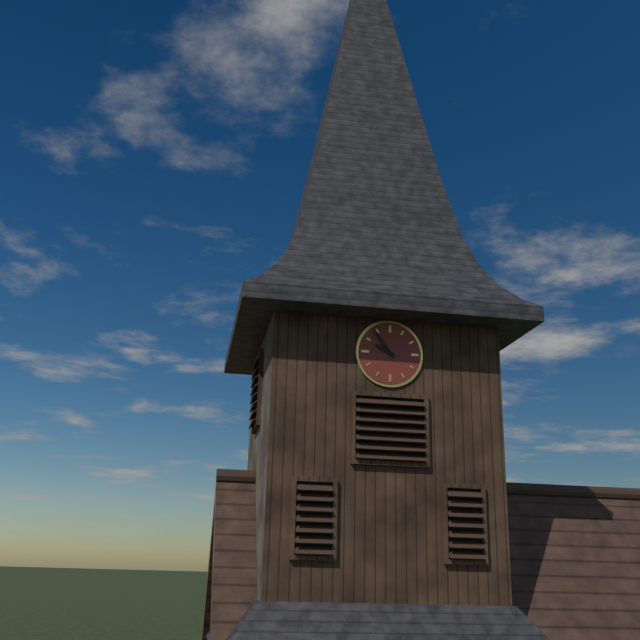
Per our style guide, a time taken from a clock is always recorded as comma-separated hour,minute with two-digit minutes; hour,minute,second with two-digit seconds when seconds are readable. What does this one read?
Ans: 9,54
